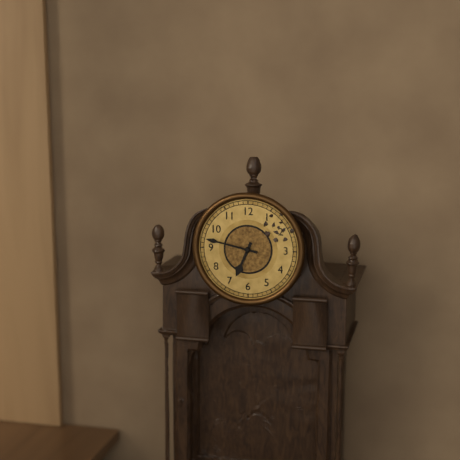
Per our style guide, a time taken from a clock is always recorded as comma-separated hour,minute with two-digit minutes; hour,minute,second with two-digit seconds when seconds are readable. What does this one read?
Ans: 6,47
